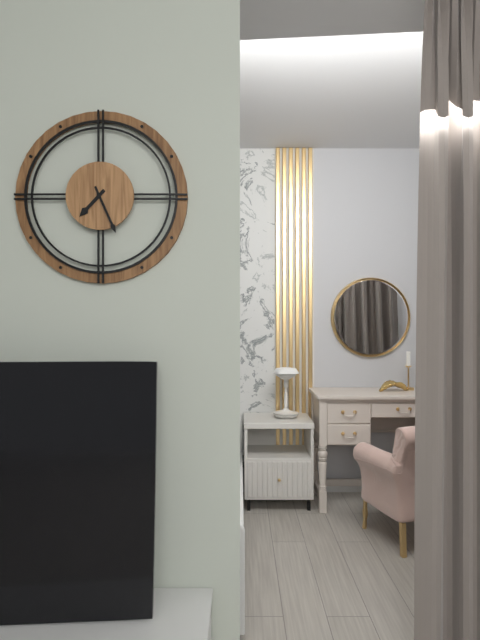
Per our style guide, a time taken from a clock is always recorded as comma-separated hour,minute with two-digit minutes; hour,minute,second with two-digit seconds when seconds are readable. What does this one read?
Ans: 7,26
